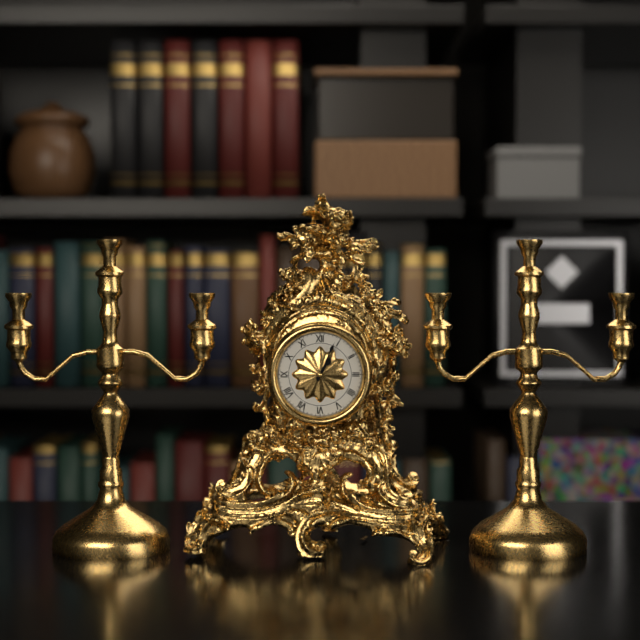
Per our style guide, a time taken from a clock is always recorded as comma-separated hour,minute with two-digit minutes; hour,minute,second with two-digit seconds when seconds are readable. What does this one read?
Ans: 1,04
